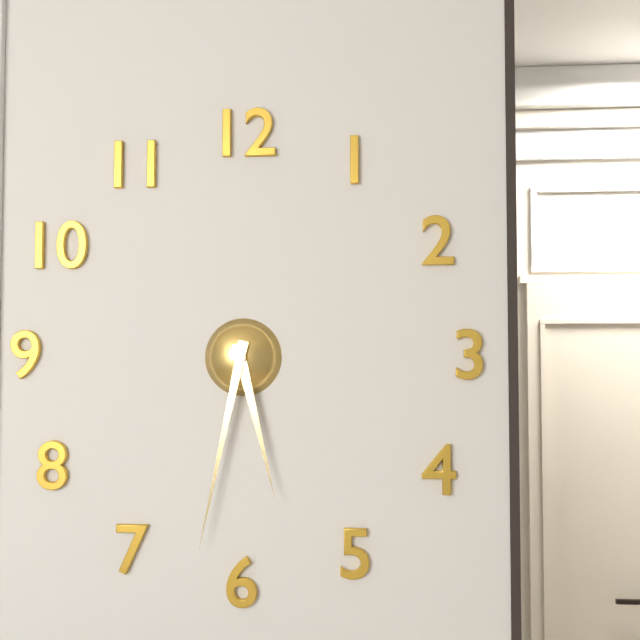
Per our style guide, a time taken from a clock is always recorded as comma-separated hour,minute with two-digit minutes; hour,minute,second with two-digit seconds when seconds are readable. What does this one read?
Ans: 5,32
